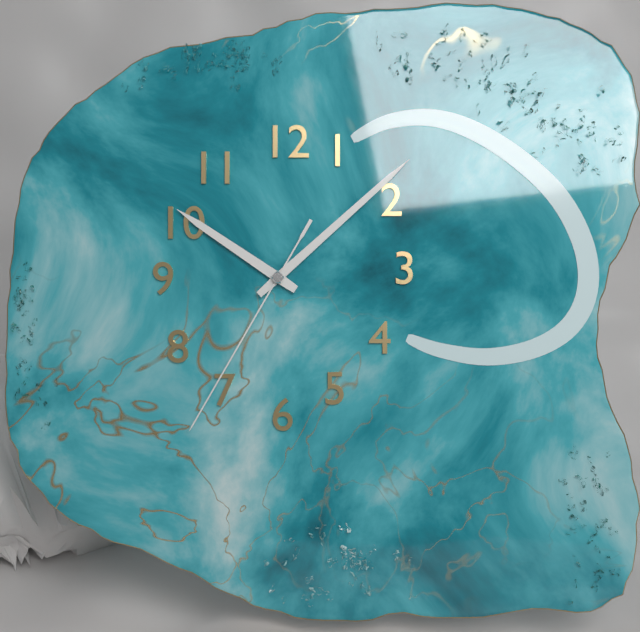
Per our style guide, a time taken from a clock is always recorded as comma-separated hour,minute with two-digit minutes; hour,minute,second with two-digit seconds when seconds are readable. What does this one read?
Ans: 10,08,35
